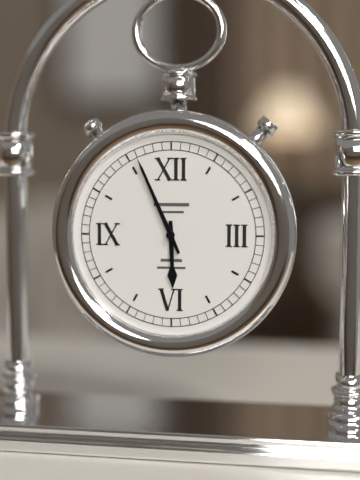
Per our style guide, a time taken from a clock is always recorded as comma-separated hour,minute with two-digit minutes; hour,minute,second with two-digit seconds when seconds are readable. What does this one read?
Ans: 5,56
